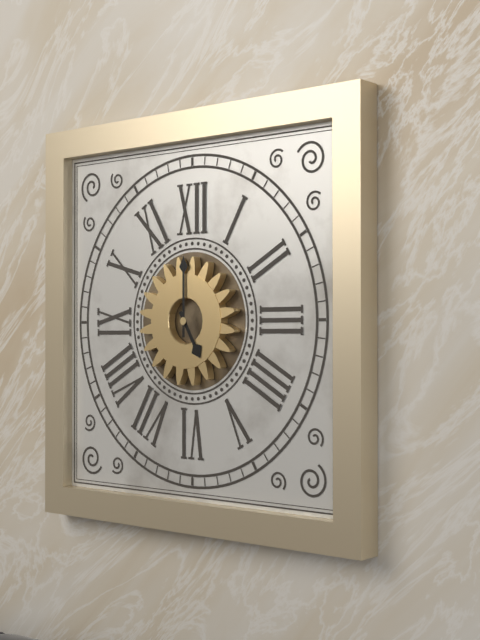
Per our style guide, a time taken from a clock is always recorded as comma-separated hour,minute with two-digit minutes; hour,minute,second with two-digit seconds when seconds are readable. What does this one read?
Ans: 5,00
